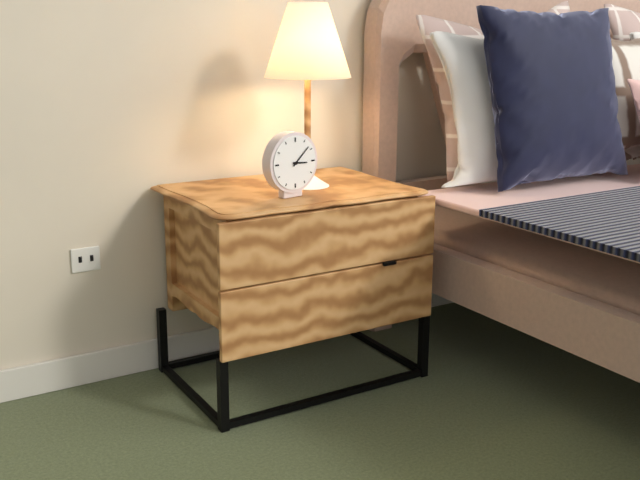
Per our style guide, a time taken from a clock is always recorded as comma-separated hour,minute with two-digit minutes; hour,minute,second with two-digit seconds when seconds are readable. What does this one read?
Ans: 3,08
